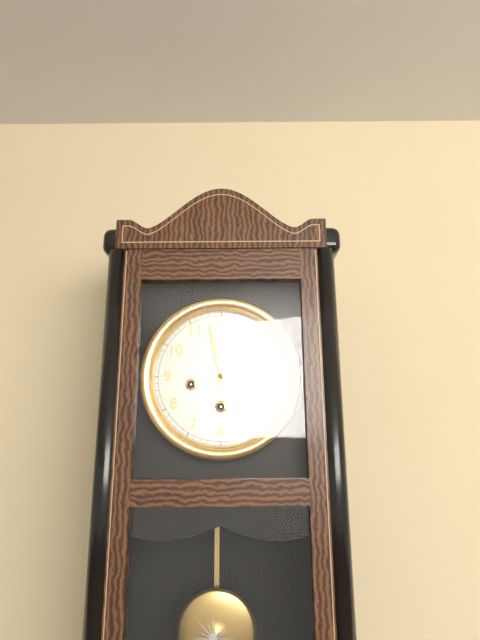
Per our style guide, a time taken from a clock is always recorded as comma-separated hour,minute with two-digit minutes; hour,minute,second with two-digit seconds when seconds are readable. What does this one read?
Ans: 12,58
